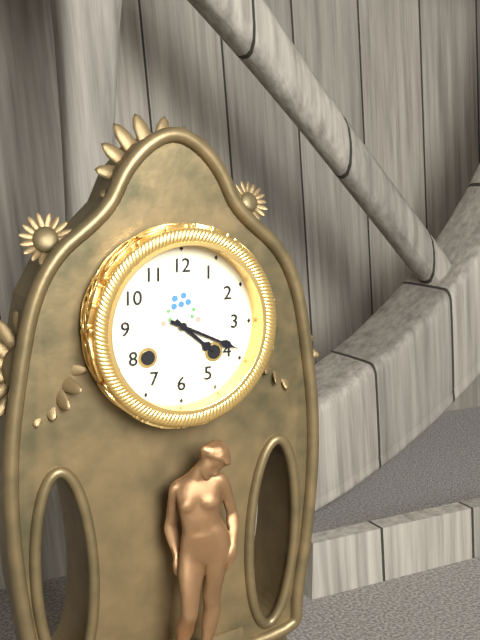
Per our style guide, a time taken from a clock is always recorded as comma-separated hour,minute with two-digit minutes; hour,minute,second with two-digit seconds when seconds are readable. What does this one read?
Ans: 4,19
